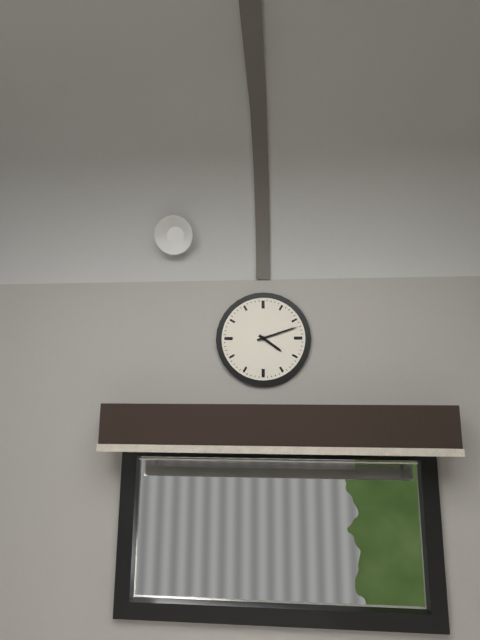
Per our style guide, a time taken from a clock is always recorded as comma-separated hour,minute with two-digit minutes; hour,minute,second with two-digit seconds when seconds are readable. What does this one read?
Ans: 4,12
